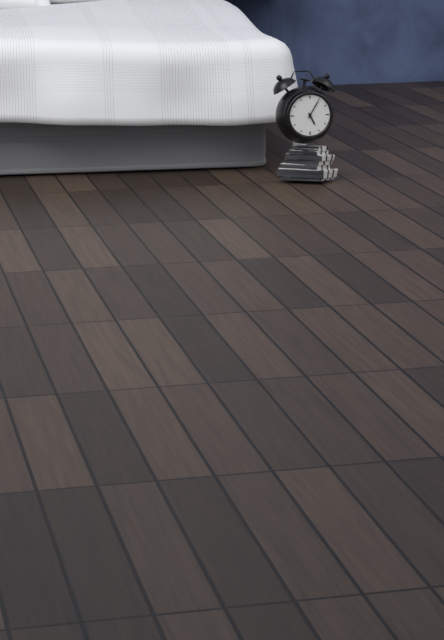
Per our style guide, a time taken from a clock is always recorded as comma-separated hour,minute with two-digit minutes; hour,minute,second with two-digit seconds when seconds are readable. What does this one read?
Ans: 5,05
